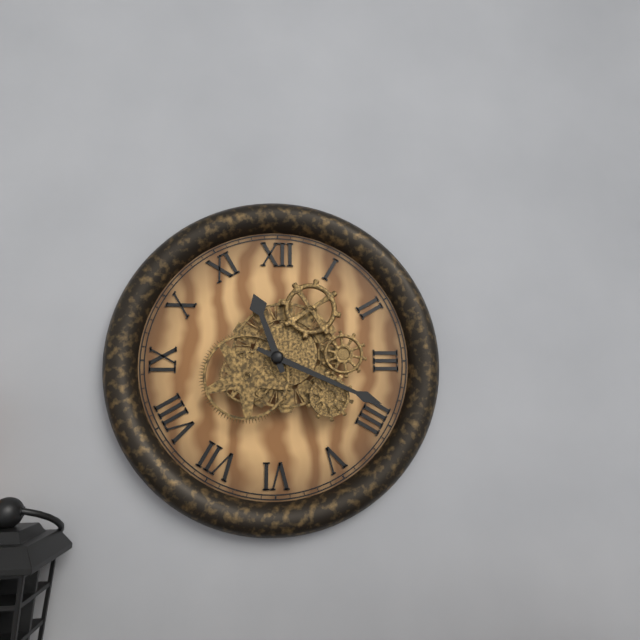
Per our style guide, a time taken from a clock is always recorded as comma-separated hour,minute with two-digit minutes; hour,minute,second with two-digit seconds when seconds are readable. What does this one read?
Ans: 11,19
